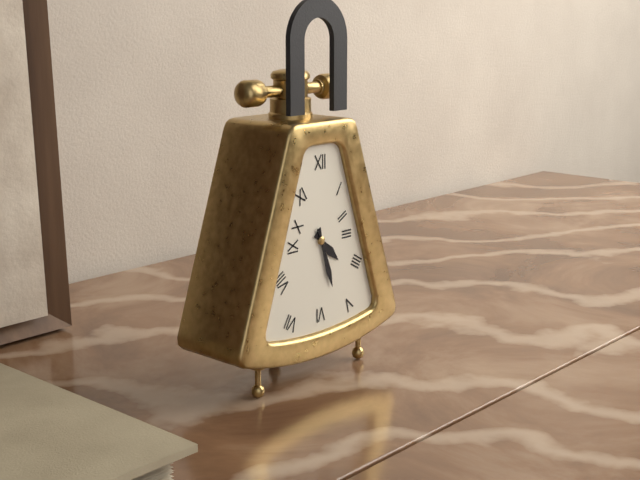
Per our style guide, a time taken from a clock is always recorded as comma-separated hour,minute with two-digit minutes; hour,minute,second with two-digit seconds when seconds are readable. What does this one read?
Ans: 4,27
